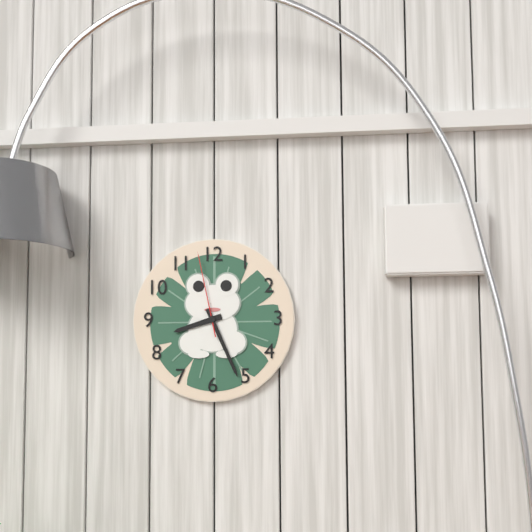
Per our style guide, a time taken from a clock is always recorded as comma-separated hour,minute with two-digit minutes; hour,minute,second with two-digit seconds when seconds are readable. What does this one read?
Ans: 8,26,58
